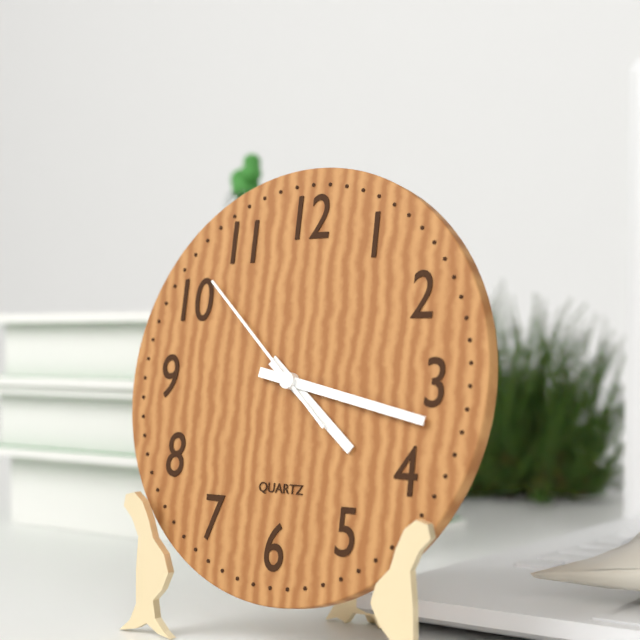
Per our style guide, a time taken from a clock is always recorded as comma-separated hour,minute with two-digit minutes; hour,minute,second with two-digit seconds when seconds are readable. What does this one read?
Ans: 4,17,52
